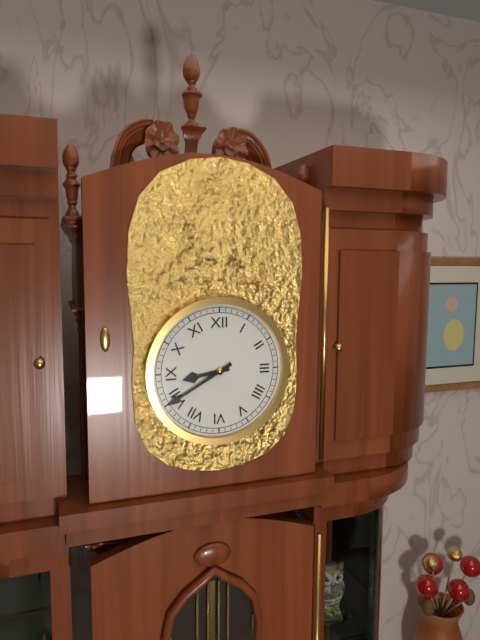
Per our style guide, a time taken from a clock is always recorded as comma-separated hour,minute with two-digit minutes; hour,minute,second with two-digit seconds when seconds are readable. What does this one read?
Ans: 8,40
